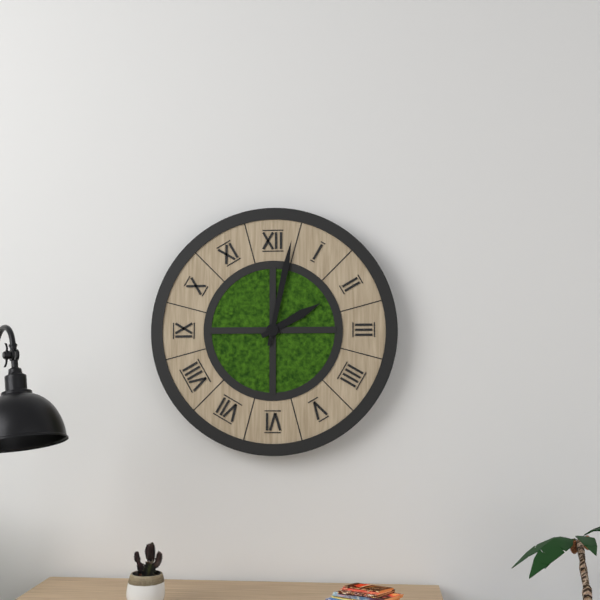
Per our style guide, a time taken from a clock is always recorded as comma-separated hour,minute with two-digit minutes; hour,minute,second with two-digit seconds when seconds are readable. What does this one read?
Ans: 2,02
